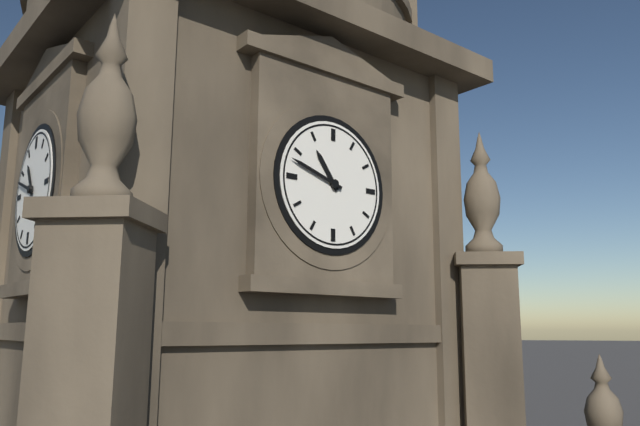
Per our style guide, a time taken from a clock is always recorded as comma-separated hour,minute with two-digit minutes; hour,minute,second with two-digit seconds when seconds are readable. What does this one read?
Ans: 10,48
